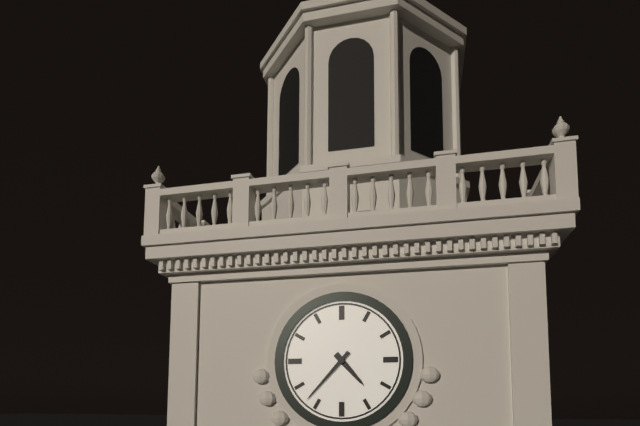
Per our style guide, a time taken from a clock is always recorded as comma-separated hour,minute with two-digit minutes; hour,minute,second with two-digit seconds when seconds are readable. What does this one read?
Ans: 4,37
